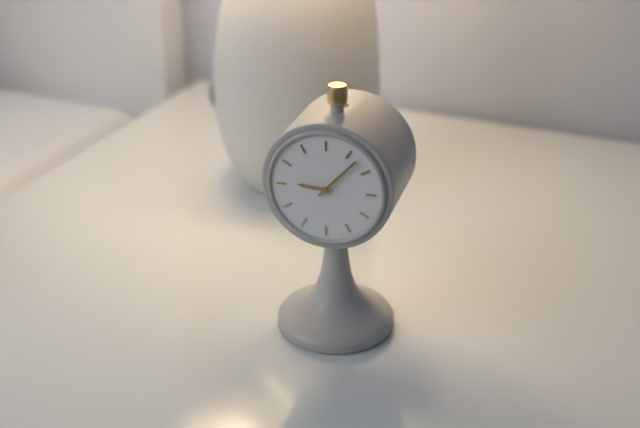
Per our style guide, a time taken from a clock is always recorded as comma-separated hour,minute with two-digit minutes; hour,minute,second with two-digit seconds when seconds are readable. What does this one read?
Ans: 9,07
